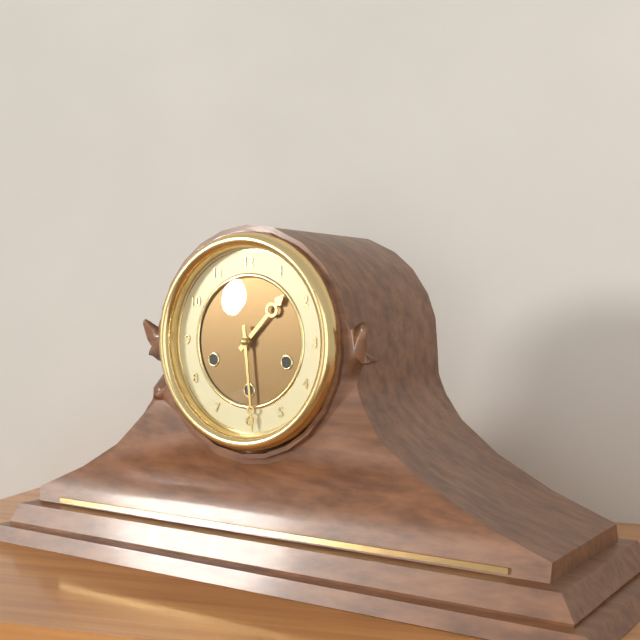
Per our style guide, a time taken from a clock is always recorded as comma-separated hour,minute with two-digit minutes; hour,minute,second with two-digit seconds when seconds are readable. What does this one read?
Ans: 1,29
